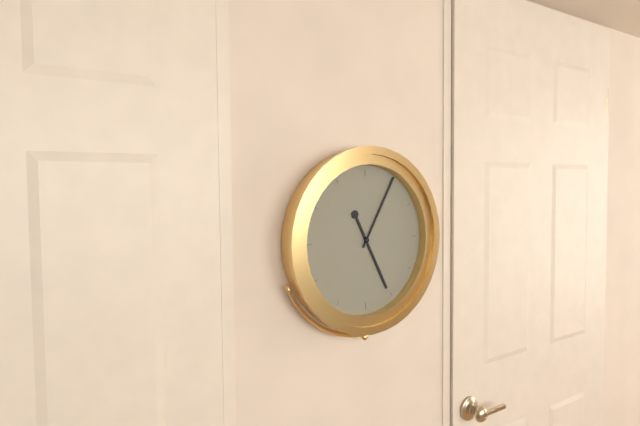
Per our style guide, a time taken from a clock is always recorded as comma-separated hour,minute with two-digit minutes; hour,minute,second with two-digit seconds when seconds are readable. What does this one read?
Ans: 5,05
